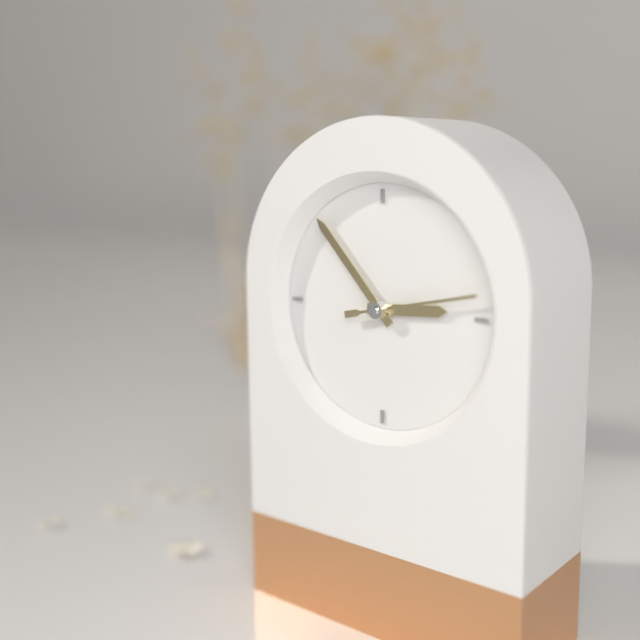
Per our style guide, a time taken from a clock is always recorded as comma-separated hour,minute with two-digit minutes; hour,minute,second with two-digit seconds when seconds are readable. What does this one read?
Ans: 2,53,13
